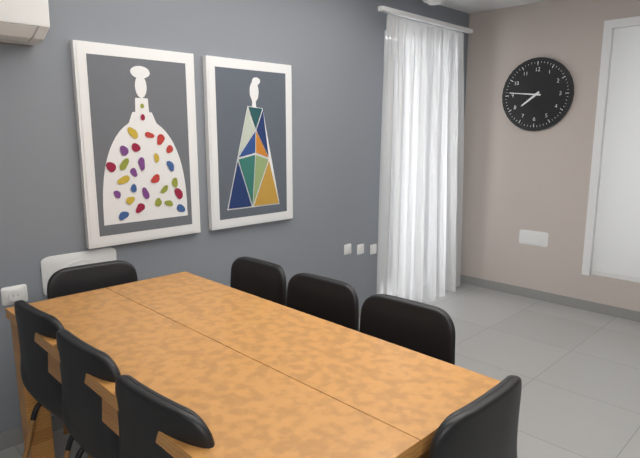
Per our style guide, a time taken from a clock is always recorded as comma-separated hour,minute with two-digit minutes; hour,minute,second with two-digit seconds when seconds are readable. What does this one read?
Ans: 7,46
